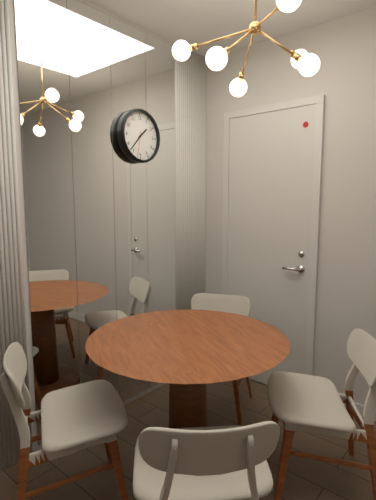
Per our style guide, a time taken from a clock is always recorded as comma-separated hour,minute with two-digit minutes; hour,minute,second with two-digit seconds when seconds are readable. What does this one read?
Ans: 1,37
